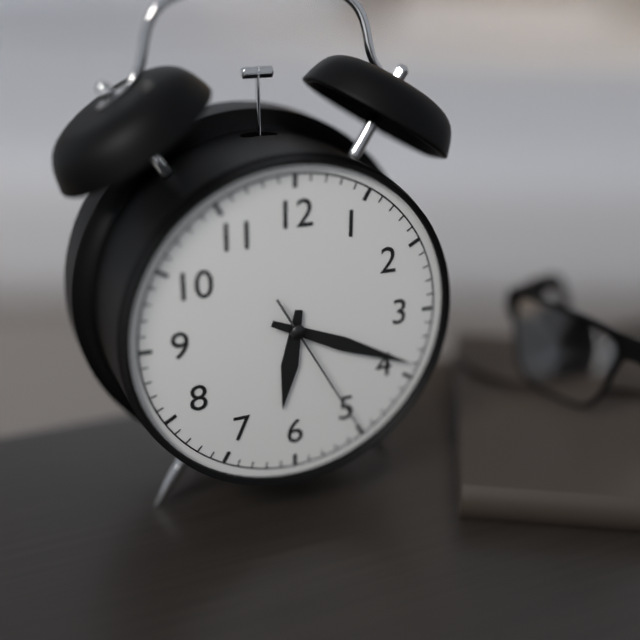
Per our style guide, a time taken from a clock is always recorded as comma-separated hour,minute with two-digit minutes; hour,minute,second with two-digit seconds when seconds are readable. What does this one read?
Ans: 6,19,25
